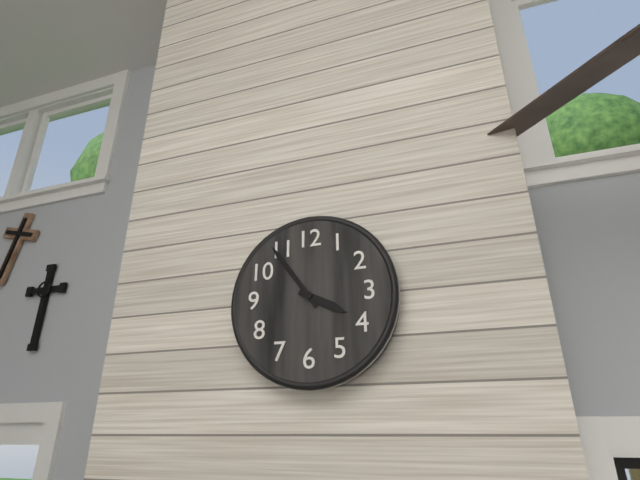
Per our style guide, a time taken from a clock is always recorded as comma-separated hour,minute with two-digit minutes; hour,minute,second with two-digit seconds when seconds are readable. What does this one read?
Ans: 3,54
